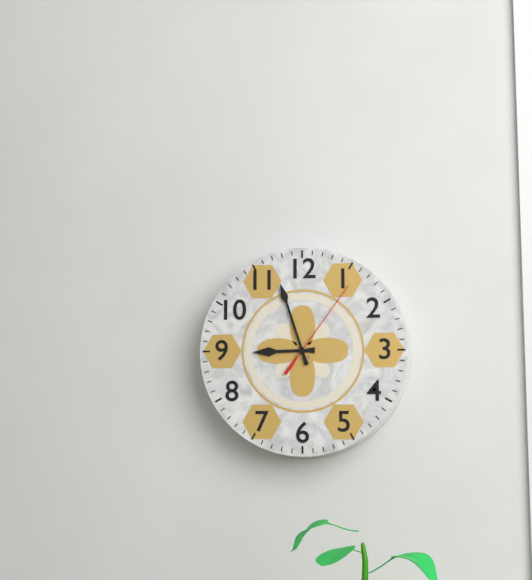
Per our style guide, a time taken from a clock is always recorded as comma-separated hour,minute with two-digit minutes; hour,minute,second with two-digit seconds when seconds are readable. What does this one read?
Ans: 8,57,06
